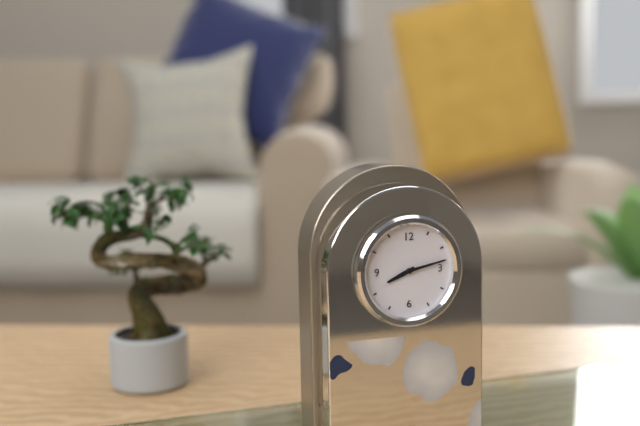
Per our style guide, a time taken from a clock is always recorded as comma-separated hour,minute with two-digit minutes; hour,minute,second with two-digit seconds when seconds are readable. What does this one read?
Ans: 8,13
